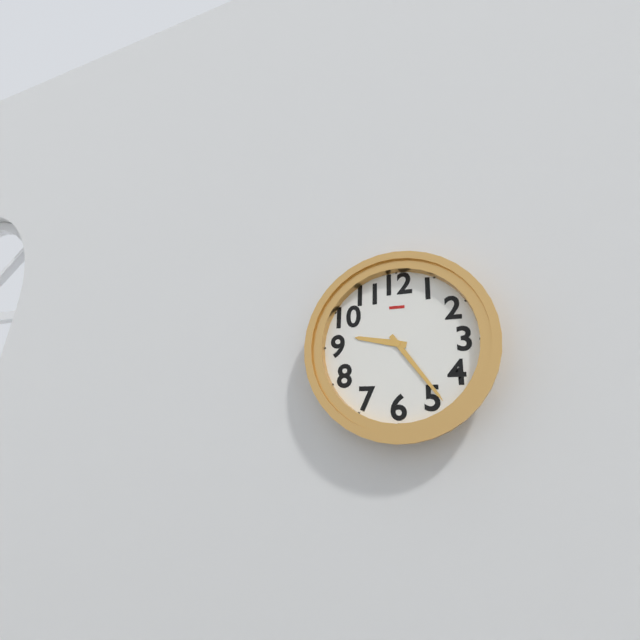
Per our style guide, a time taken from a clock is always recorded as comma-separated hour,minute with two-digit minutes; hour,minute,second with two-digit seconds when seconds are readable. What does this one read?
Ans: 9,24
